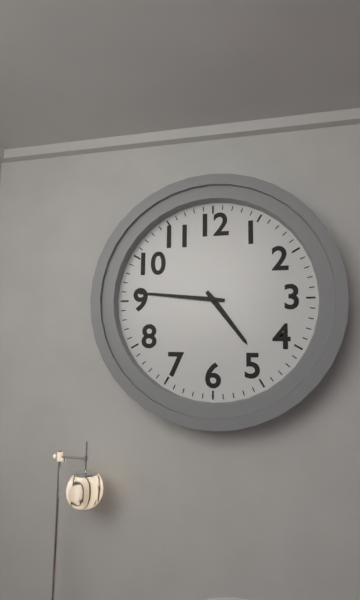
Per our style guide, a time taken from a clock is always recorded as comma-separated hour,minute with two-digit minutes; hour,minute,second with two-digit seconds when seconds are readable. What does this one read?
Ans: 4,46
